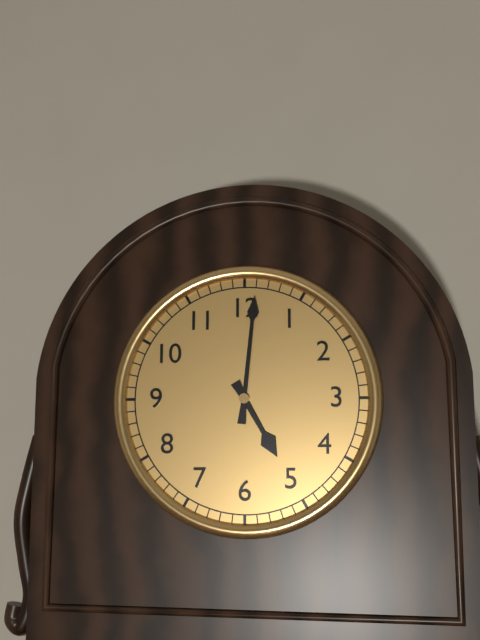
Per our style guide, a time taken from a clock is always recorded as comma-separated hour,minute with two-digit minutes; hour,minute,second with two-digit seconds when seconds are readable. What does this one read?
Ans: 5,01
